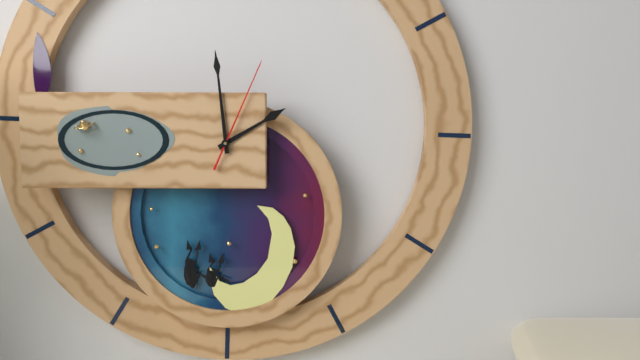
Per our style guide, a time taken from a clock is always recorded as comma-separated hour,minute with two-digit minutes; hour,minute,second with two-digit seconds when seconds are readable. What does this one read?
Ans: 1,59,04
